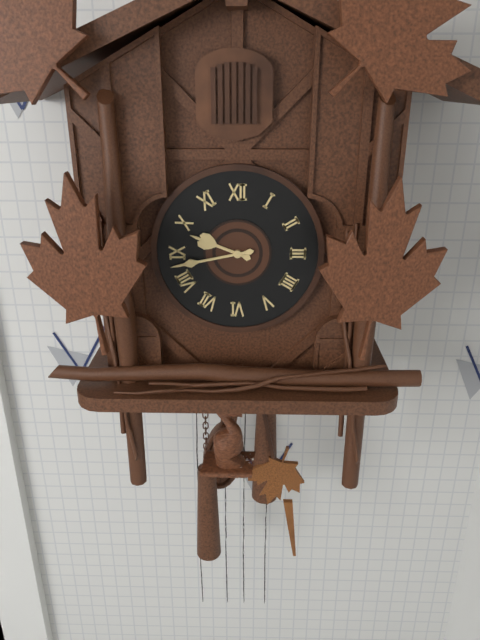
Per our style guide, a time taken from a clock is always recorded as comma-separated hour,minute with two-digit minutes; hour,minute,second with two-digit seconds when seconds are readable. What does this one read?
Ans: 9,43
